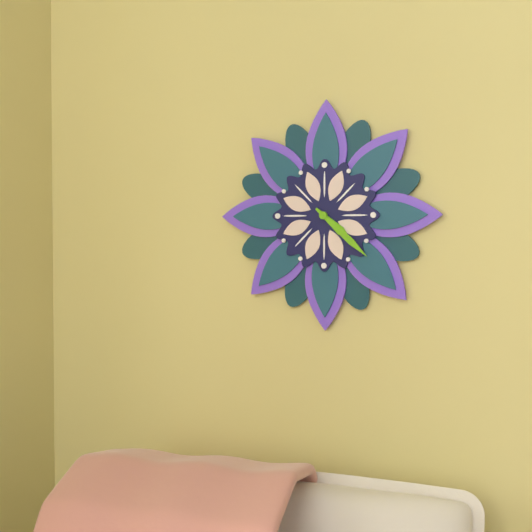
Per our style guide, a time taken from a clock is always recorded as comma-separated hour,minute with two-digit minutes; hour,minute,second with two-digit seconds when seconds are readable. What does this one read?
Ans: 4,22
